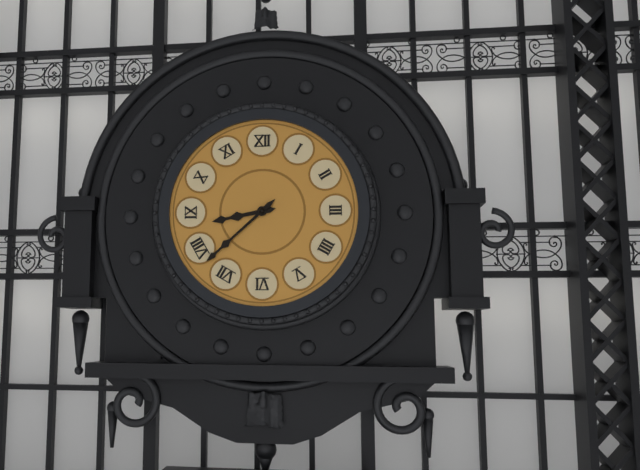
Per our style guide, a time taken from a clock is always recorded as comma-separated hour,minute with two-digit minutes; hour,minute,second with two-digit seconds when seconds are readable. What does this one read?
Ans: 8,38
